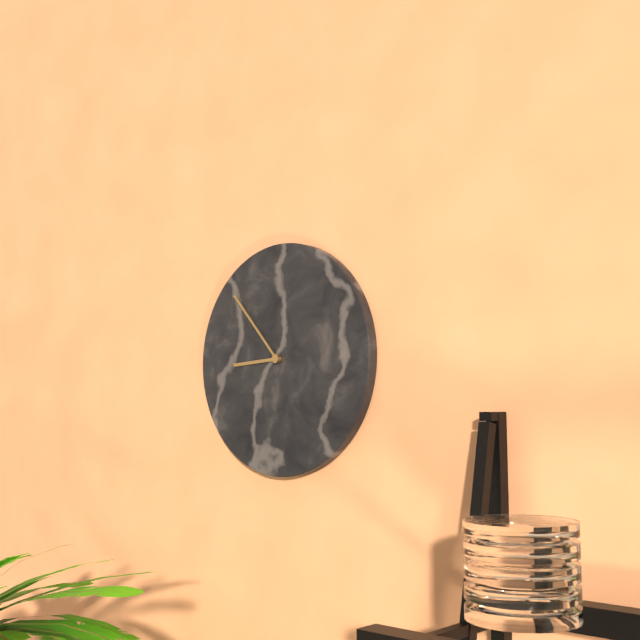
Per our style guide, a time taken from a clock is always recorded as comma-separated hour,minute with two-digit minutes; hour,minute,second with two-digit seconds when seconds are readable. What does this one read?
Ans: 8,53
